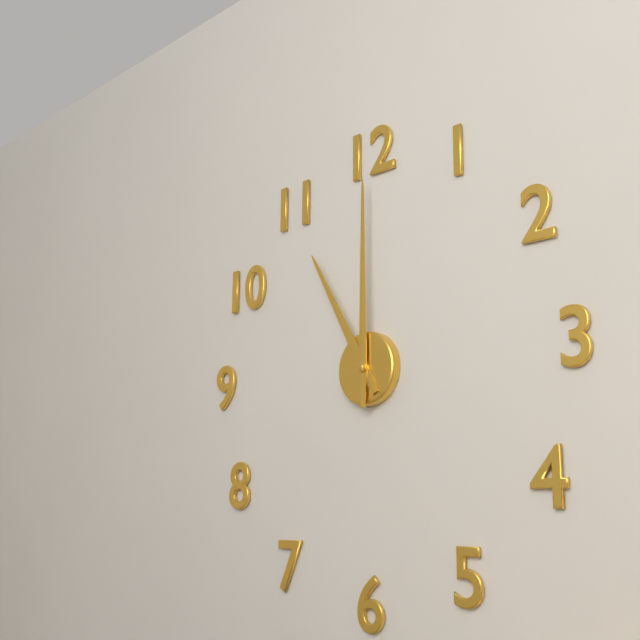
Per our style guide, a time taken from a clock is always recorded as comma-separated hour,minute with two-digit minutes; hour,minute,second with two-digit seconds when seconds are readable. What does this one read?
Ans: 11,00
